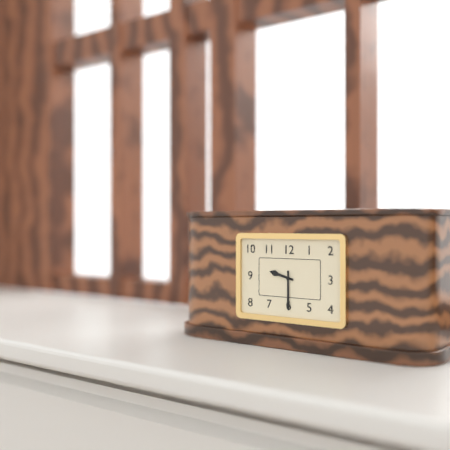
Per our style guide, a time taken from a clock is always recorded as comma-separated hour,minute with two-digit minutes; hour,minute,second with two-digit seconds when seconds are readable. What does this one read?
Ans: 9,30
